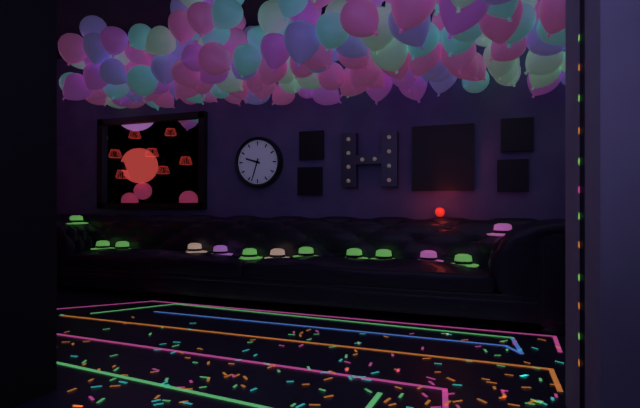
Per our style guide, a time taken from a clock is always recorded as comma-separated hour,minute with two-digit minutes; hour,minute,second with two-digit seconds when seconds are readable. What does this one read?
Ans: 9,33
